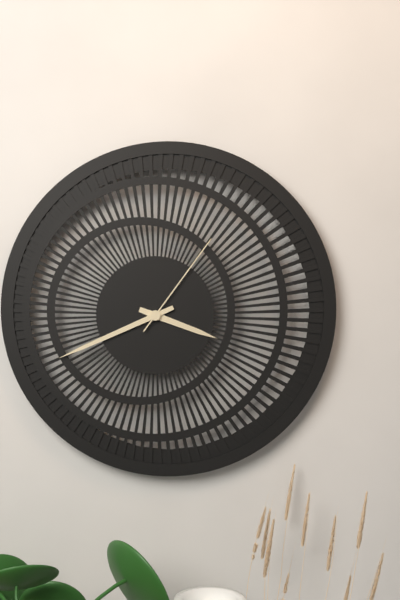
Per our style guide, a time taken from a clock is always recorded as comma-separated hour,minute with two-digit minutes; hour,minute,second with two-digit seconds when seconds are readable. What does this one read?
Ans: 3,41,06
